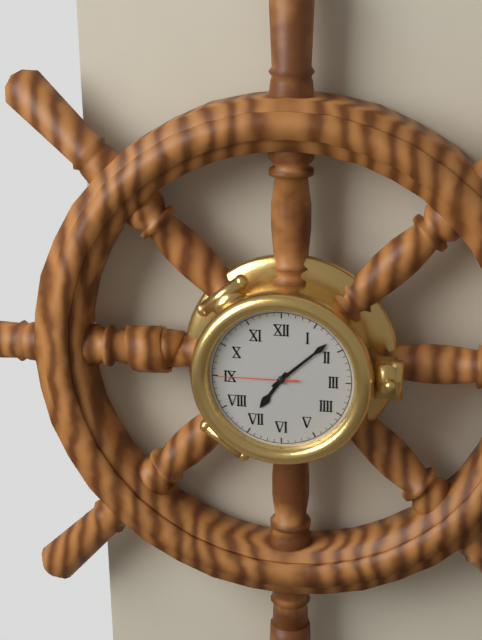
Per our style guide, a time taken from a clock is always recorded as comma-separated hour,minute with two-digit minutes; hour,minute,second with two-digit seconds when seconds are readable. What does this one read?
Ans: 7,08,45
